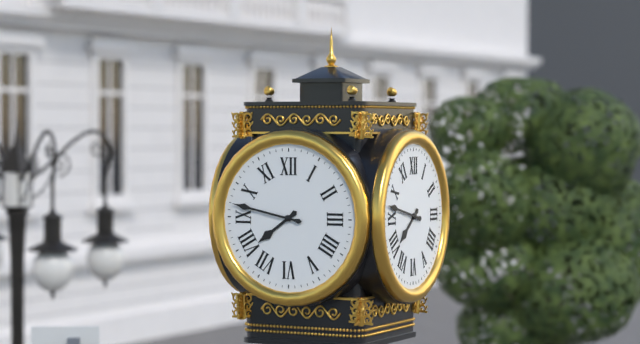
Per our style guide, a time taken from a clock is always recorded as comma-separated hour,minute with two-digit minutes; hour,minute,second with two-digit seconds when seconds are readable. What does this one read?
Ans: 7,47
